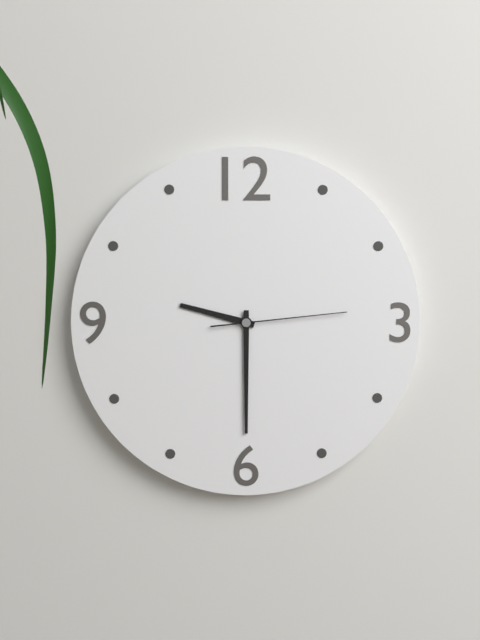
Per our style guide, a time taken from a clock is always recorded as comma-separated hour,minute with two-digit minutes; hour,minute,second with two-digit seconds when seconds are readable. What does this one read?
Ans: 9,30,14
